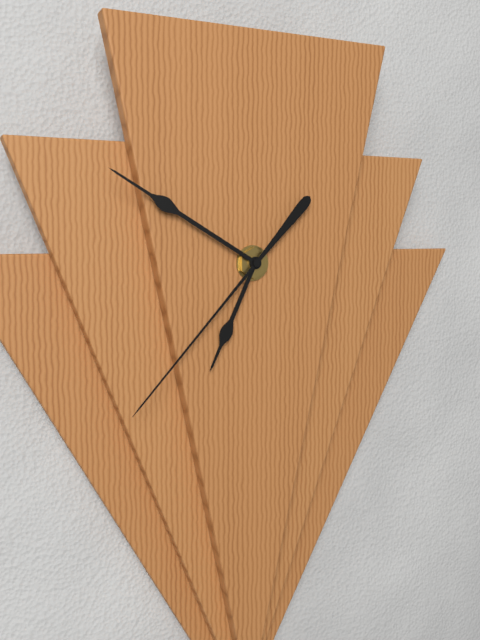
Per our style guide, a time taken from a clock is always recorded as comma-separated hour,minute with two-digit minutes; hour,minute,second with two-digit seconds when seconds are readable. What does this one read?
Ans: 6,50,37
